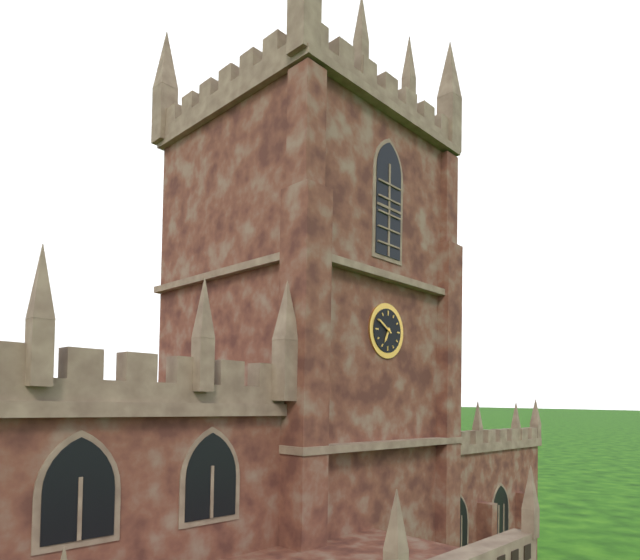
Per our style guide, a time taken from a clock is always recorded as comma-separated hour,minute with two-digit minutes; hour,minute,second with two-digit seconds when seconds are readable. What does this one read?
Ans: 6,50
